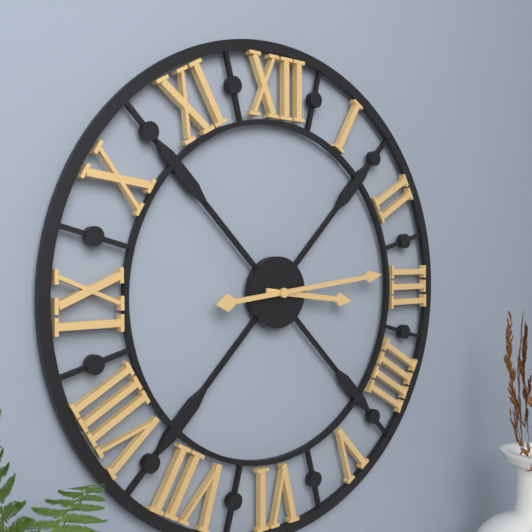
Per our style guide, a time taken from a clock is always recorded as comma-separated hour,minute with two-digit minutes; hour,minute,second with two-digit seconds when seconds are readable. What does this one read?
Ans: 3,14
